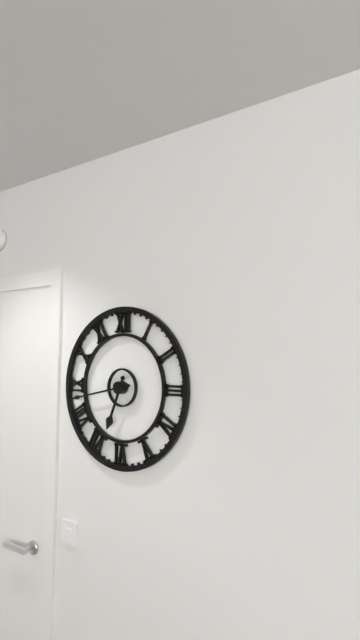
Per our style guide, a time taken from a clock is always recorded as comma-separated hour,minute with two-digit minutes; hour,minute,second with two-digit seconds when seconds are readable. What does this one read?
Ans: 6,43
